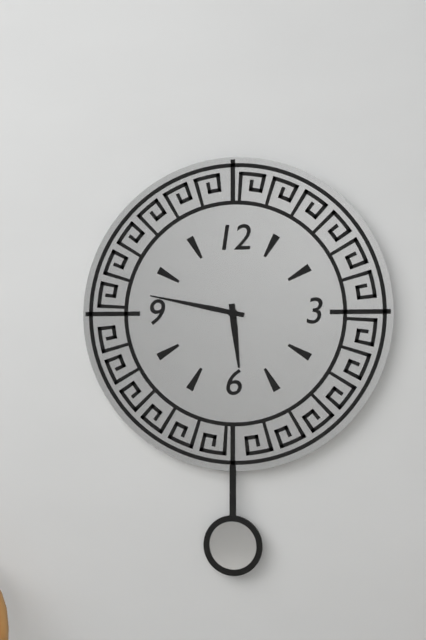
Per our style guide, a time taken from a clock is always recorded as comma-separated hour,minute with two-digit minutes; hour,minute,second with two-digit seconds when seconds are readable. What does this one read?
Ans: 5,47
